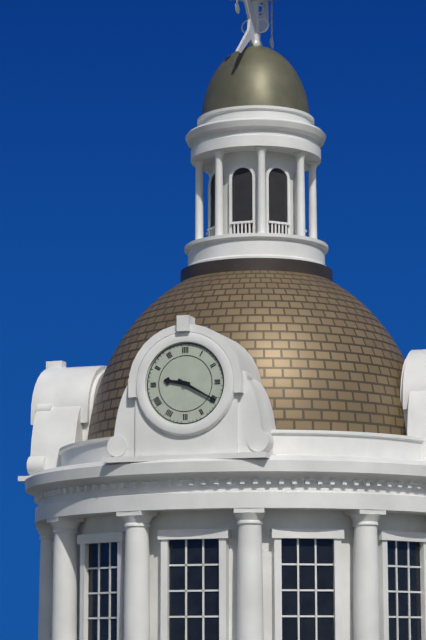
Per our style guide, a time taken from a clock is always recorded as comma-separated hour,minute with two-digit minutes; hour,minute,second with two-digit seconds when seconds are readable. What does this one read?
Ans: 9,20
